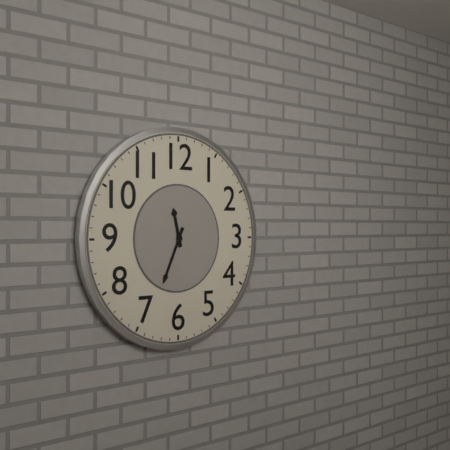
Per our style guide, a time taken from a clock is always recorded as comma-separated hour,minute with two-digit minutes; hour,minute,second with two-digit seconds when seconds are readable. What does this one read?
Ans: 11,34
